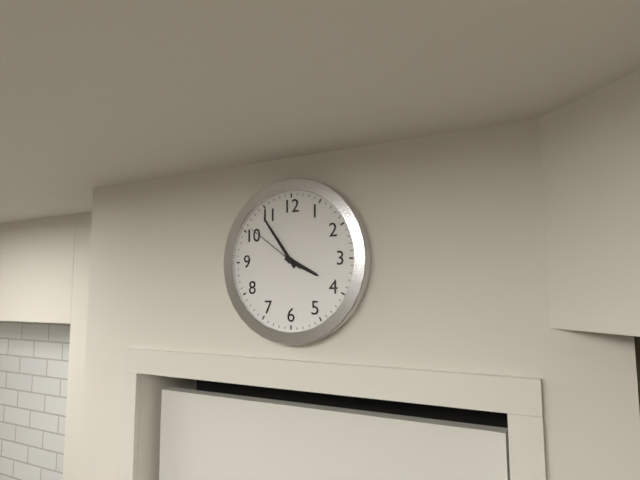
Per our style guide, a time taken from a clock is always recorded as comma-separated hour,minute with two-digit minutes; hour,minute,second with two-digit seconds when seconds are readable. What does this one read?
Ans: 3,54,51
